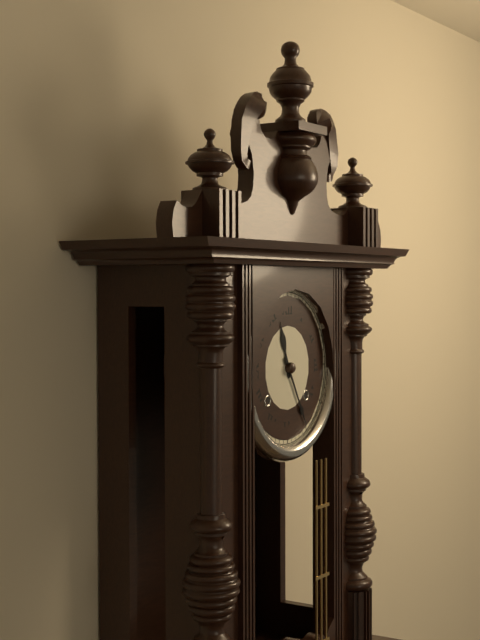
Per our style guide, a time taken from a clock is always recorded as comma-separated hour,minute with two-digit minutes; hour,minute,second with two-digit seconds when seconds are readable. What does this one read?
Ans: 11,25
